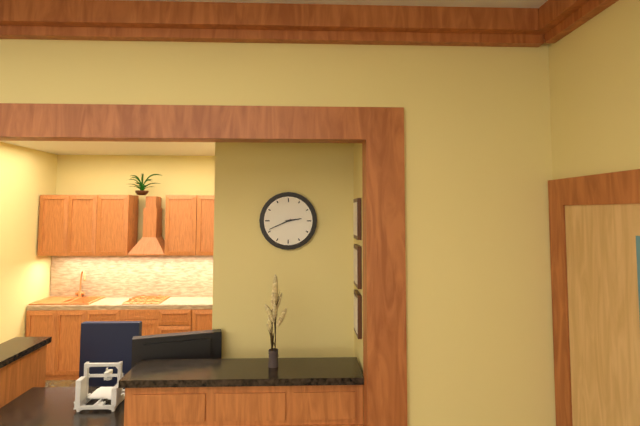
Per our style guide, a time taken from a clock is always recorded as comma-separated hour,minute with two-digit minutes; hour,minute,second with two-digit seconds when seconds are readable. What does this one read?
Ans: 2,41
